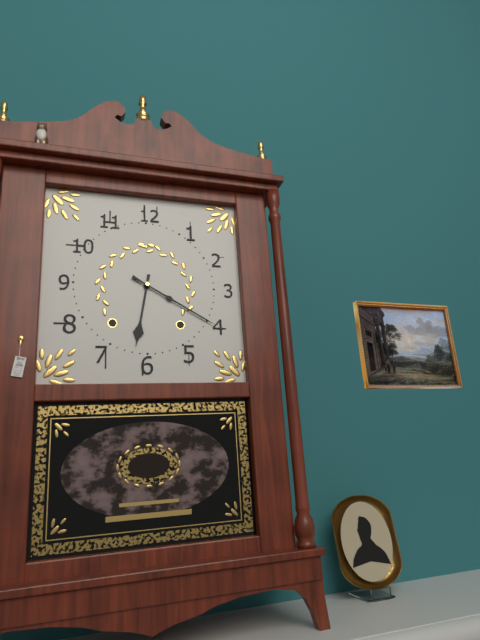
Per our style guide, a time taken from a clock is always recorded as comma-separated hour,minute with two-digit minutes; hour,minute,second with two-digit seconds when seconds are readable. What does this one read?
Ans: 6,20
